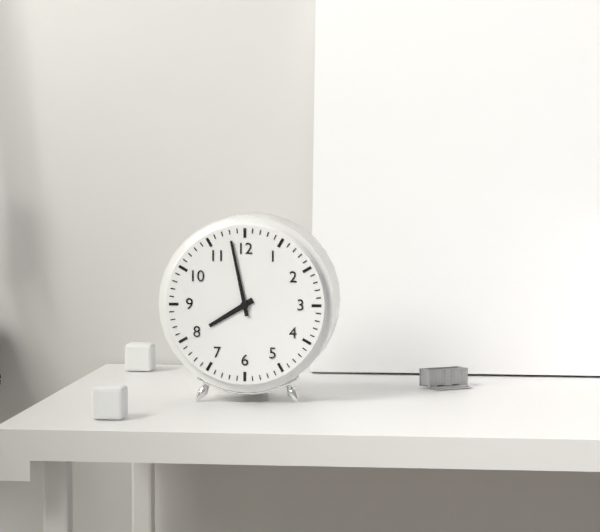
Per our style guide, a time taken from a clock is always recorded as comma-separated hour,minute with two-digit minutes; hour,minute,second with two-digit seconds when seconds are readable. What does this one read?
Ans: 7,58
